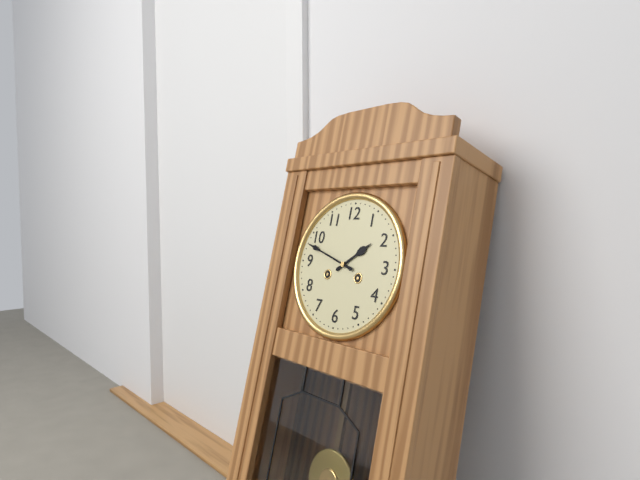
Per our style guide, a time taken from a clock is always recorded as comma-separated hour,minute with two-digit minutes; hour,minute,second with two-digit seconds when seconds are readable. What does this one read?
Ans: 1,48
